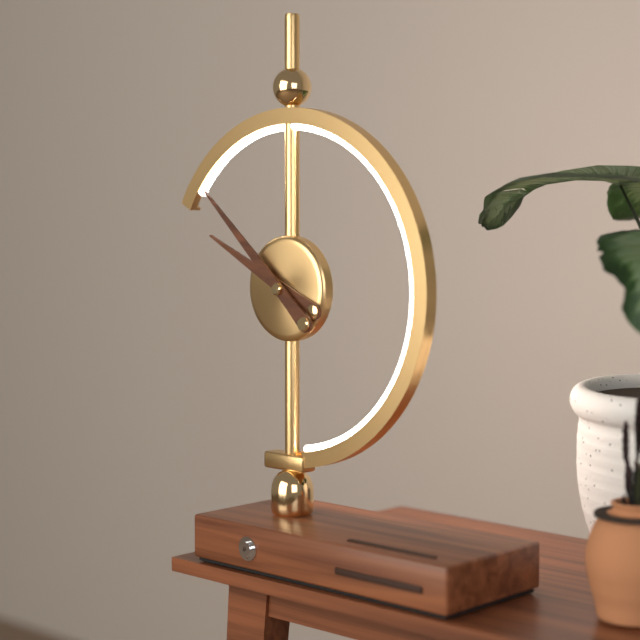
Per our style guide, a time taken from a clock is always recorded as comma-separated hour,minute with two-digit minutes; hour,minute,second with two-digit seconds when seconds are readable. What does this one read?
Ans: 9,52
